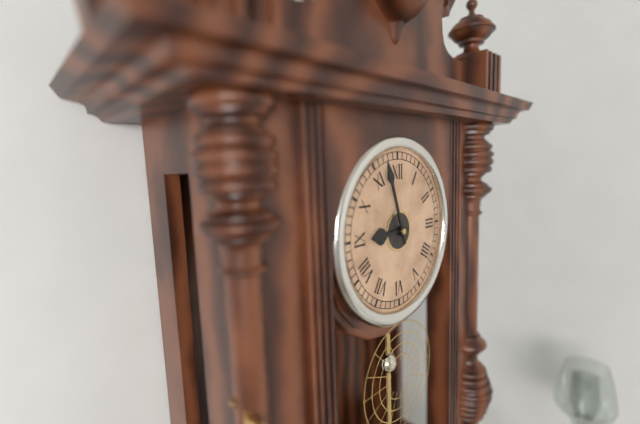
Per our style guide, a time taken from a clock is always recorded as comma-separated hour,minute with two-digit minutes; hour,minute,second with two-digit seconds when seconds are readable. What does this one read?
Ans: 8,57
